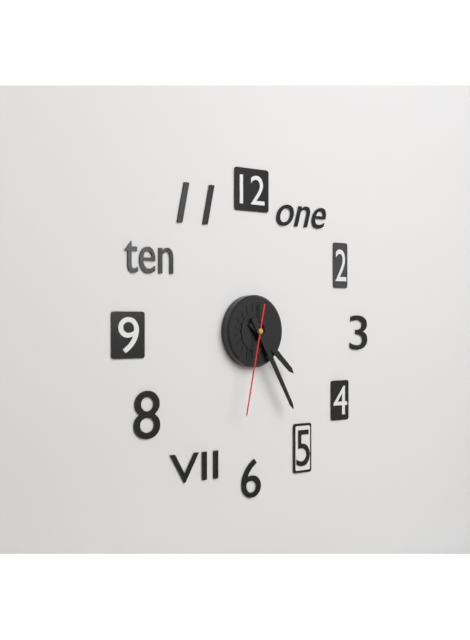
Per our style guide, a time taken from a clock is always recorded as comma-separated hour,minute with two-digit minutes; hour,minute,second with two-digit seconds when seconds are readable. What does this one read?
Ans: 4,25,32
